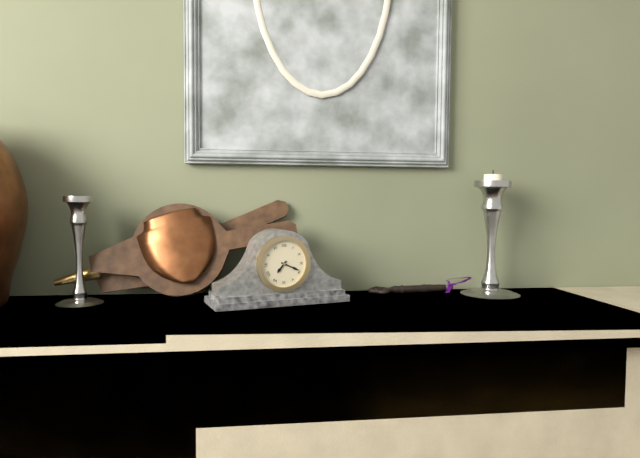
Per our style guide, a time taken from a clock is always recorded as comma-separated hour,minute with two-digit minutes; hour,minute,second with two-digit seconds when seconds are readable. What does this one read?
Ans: 7,19
